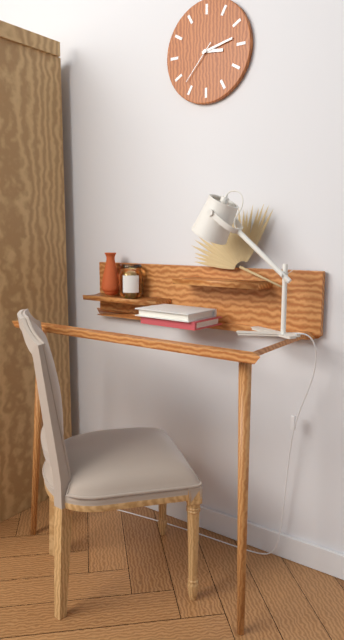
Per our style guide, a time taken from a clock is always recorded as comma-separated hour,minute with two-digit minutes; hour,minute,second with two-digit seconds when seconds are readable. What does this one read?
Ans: 3,13
